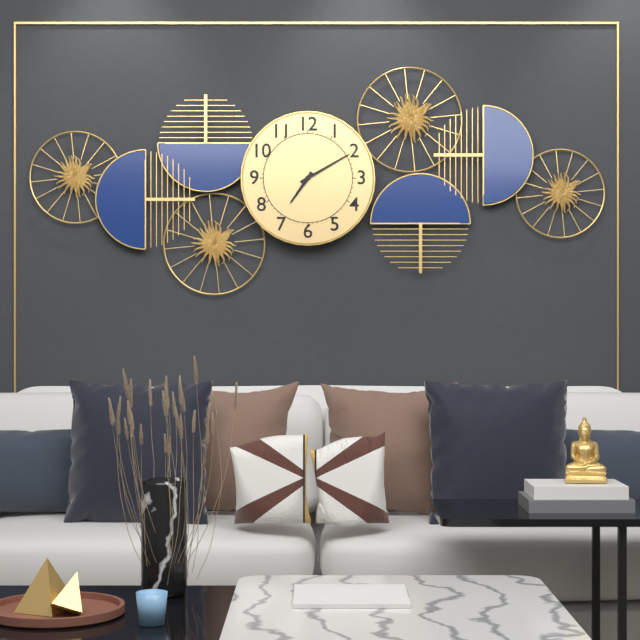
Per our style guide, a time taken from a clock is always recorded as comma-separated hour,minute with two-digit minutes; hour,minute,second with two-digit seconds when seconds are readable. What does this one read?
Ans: 7,10
